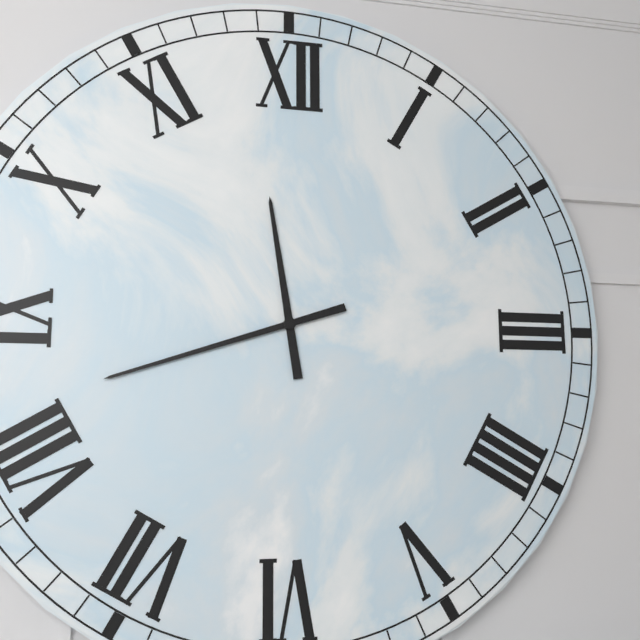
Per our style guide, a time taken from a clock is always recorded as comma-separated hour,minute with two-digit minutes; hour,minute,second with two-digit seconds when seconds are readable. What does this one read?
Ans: 11,42
